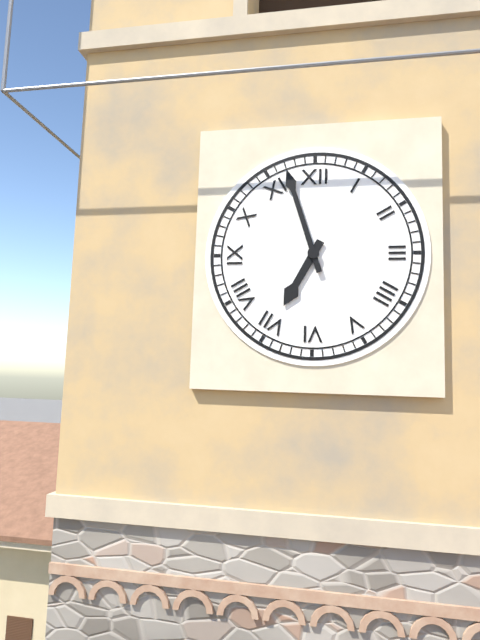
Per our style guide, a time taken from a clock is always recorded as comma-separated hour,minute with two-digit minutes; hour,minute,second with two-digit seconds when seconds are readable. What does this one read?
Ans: 6,57
